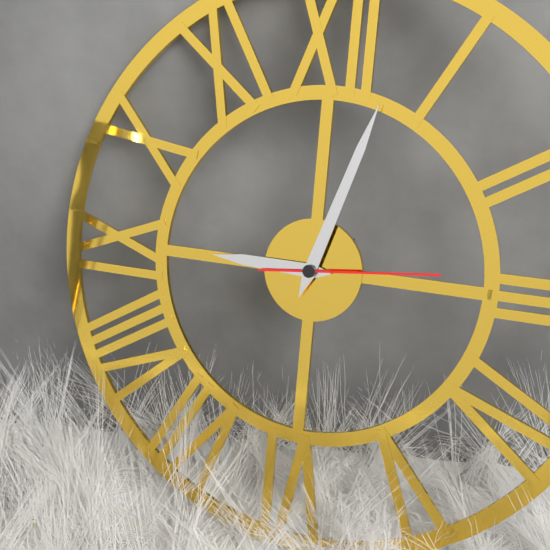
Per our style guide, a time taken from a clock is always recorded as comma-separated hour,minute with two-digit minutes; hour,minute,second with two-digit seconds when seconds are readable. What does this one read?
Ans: 9,03,14
